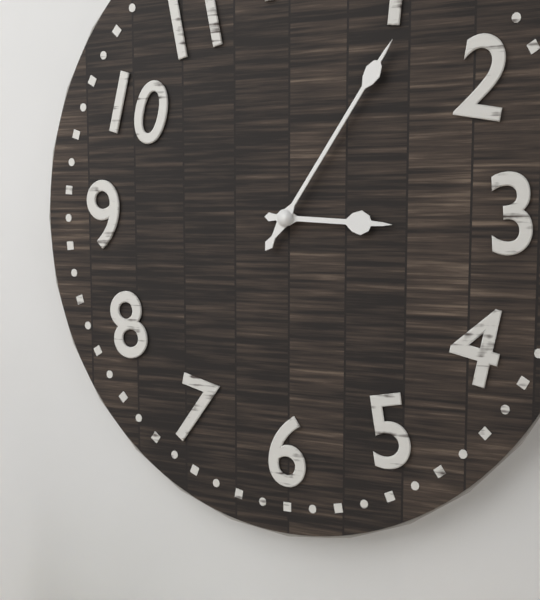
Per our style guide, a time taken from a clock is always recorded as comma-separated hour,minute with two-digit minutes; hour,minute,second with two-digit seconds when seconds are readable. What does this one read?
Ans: 3,06
